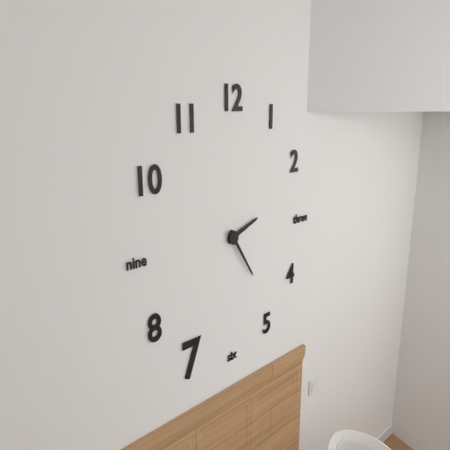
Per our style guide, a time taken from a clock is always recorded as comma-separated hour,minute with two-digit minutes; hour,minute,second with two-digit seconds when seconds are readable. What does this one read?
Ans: 2,24
